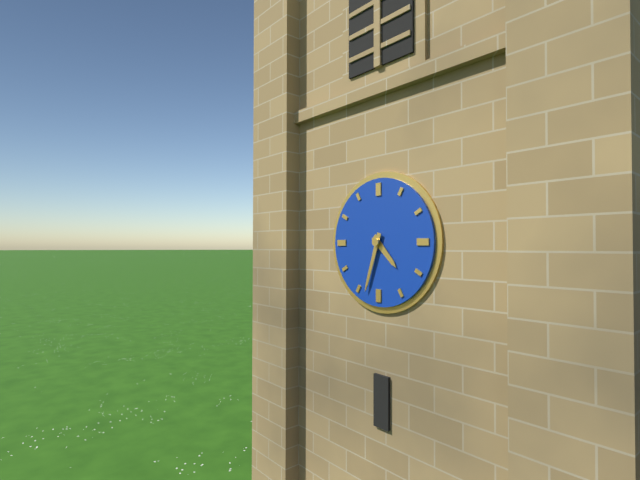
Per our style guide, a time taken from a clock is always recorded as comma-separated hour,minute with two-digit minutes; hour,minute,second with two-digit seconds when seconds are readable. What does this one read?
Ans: 4,33
